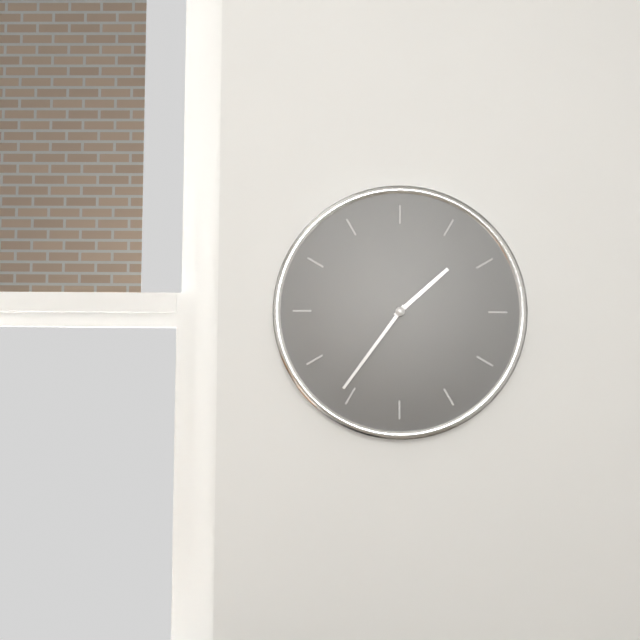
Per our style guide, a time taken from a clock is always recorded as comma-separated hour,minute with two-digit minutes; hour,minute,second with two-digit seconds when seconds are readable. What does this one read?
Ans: 1,36
